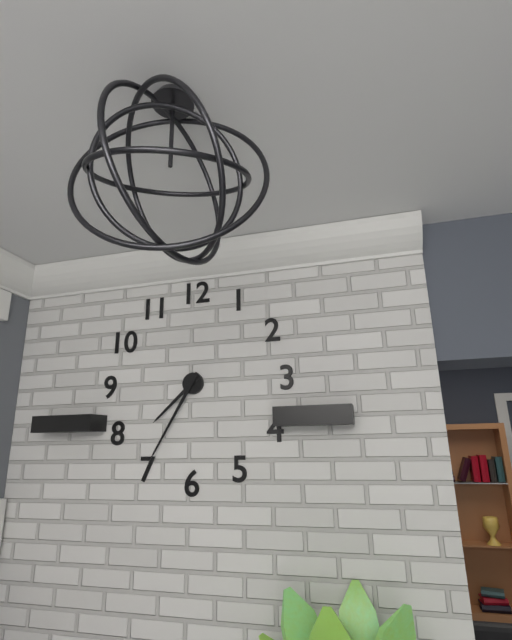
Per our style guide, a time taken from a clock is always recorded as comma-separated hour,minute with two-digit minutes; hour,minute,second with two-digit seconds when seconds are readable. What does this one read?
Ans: 7,35
